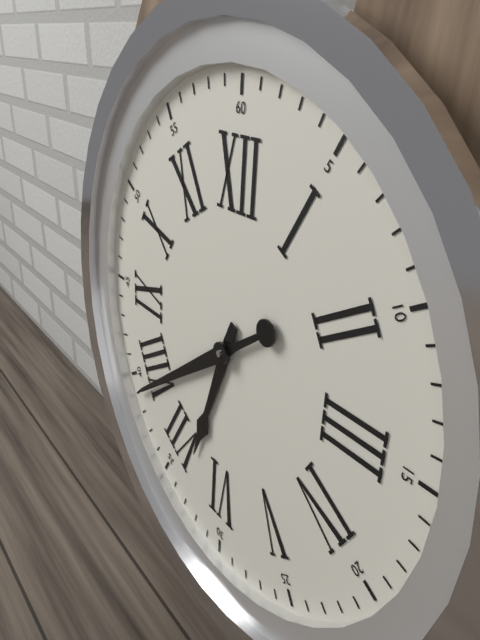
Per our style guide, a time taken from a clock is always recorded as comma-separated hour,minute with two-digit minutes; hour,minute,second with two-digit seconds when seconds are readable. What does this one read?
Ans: 6,39
